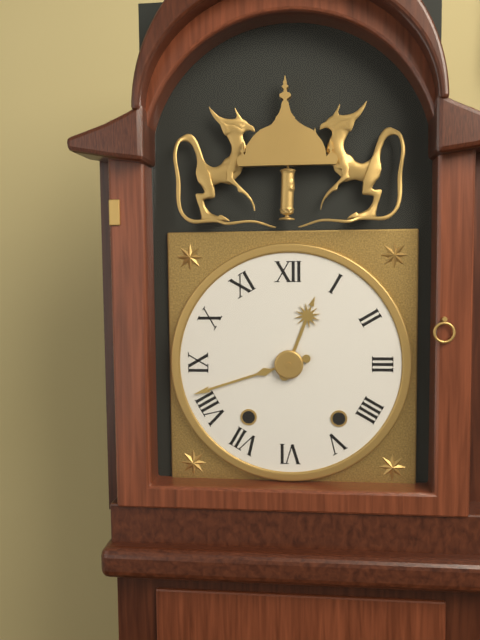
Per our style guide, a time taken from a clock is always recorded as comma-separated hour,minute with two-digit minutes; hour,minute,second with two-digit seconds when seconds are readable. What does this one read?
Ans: 12,42
